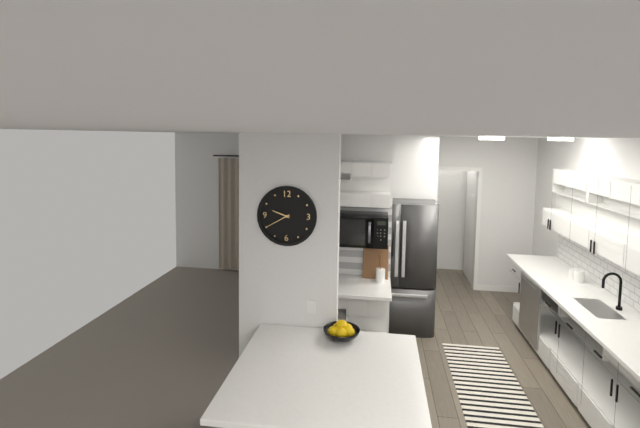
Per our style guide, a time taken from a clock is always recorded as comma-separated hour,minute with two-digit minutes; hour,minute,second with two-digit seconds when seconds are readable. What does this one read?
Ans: 9,40
